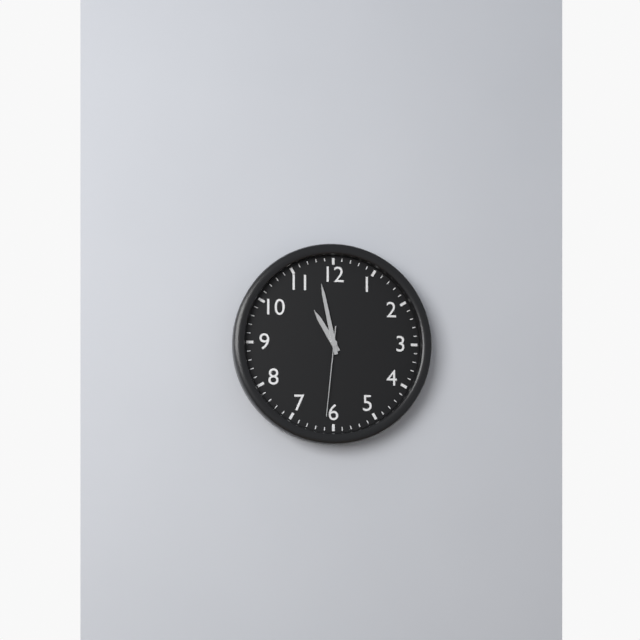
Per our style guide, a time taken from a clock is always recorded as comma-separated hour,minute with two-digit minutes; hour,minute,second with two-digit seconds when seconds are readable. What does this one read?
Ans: 10,58,31
